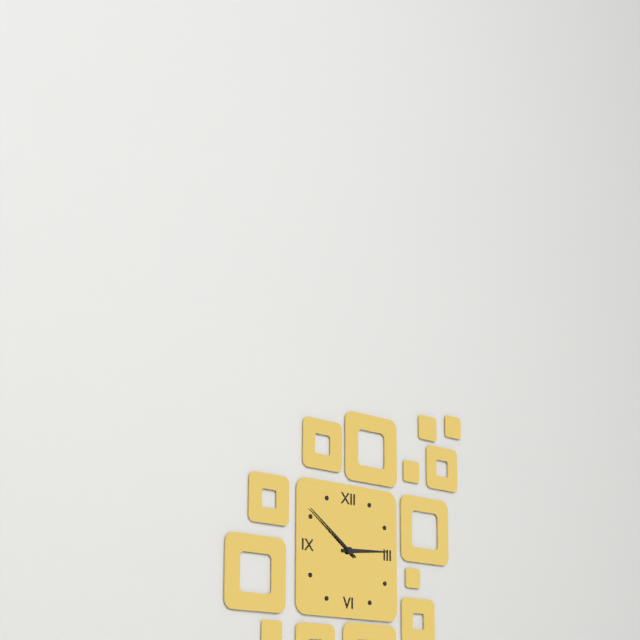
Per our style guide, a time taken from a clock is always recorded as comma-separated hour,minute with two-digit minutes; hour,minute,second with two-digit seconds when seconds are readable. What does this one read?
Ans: 2,51
